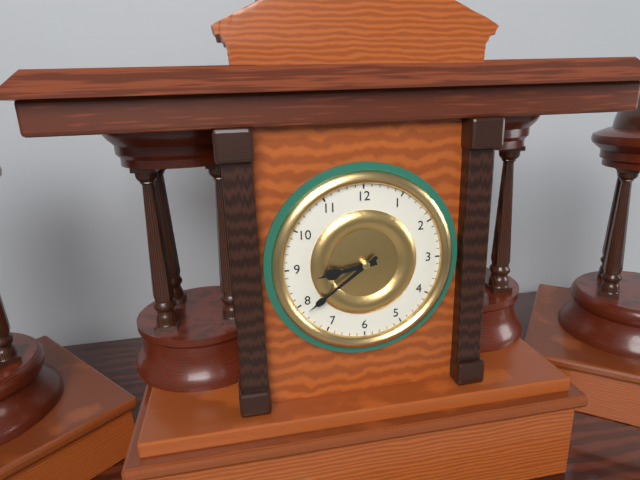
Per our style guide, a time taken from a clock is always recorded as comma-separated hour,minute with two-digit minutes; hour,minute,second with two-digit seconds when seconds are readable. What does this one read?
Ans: 8,39
